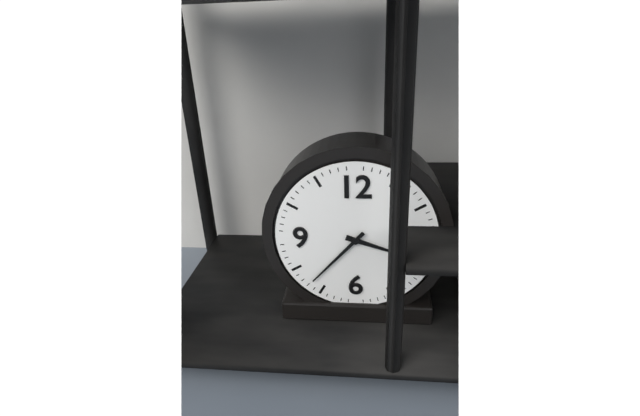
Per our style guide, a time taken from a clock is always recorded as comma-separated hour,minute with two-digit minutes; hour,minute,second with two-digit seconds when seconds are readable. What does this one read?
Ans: 3,37
